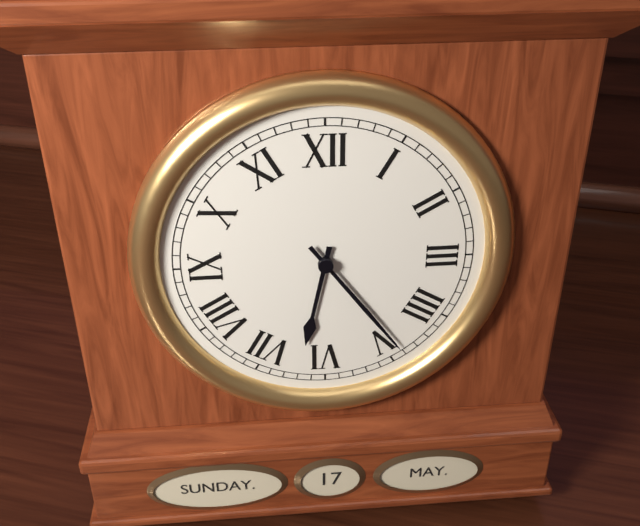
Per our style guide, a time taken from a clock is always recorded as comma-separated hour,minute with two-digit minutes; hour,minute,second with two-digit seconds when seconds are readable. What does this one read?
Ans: 6,24
